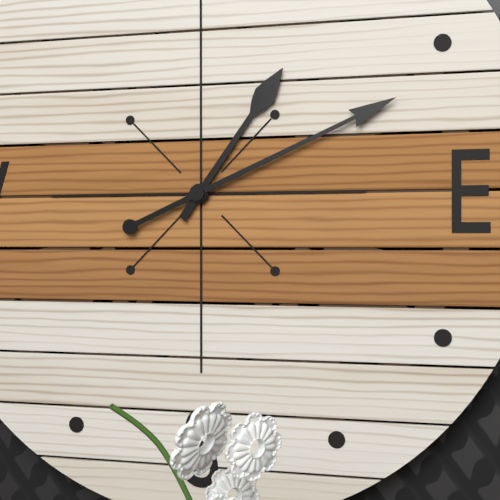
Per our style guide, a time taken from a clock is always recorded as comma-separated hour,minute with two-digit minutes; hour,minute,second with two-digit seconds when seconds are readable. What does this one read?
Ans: 1,11
